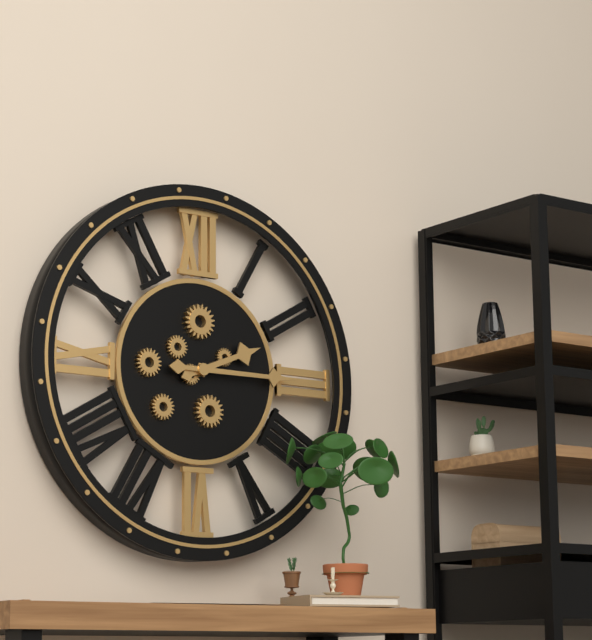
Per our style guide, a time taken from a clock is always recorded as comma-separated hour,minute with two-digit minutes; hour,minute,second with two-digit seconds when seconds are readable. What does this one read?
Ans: 2,15
